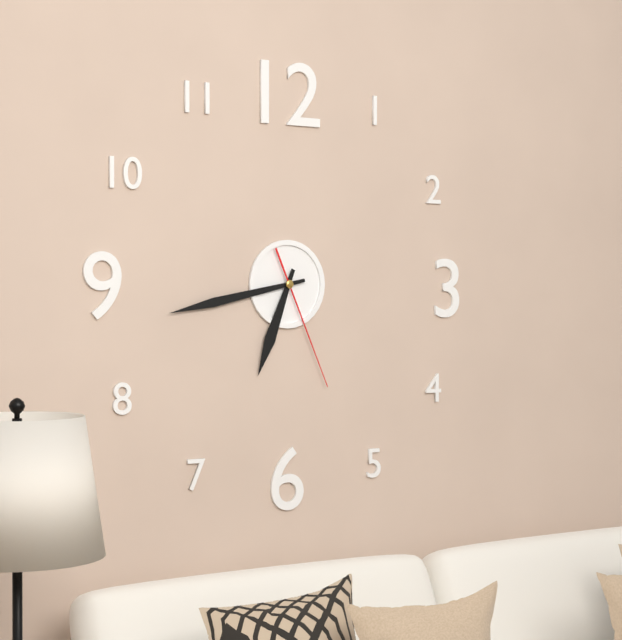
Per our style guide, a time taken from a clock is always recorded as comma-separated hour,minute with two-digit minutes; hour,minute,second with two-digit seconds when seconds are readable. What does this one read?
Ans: 6,43,26
